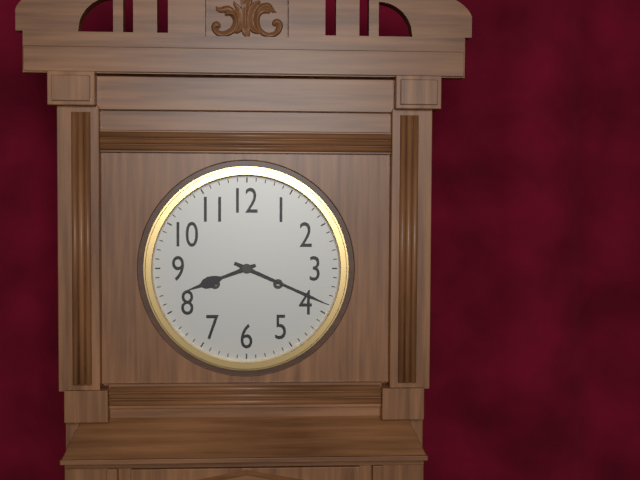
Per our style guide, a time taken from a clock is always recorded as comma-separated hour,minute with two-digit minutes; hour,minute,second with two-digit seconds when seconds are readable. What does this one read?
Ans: 8,19
